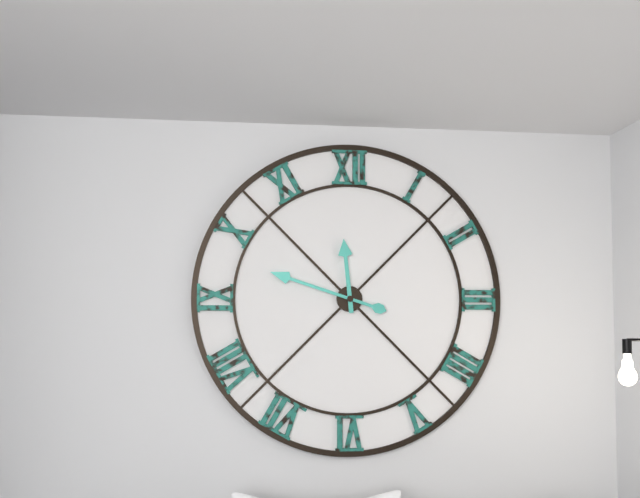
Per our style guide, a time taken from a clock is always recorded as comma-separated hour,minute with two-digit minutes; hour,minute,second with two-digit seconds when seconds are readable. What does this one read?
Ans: 11,48
